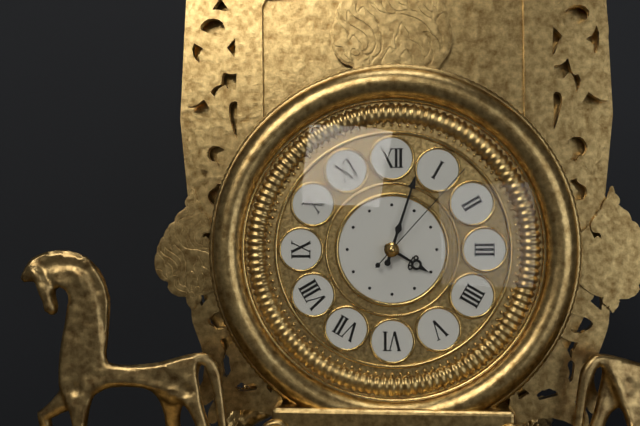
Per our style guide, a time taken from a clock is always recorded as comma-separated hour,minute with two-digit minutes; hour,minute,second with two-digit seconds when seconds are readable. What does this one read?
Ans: 4,03,07
